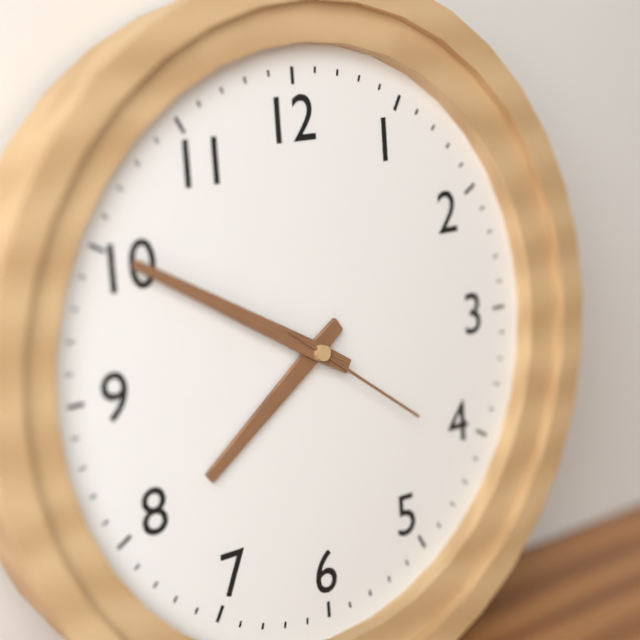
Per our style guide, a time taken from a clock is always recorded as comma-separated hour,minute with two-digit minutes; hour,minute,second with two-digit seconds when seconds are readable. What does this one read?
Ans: 7,50,21
